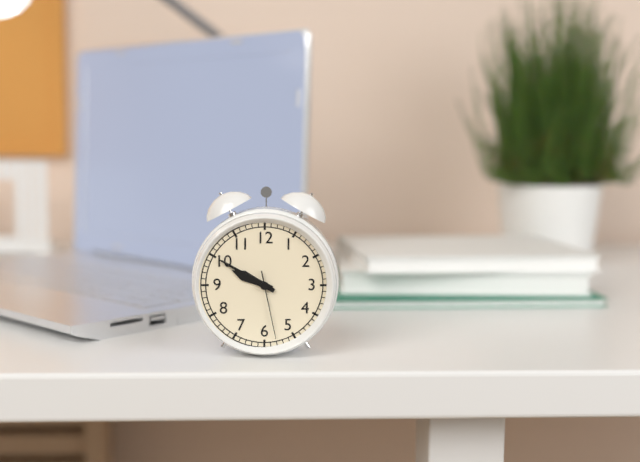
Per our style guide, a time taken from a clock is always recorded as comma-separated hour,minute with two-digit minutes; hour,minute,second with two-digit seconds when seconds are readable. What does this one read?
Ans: 9,50,28
